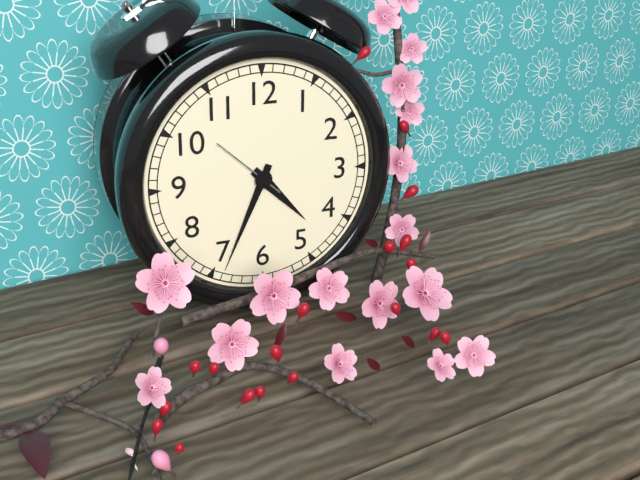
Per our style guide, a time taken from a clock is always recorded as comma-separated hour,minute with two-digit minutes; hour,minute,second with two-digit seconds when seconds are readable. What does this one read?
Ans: 4,34,52
